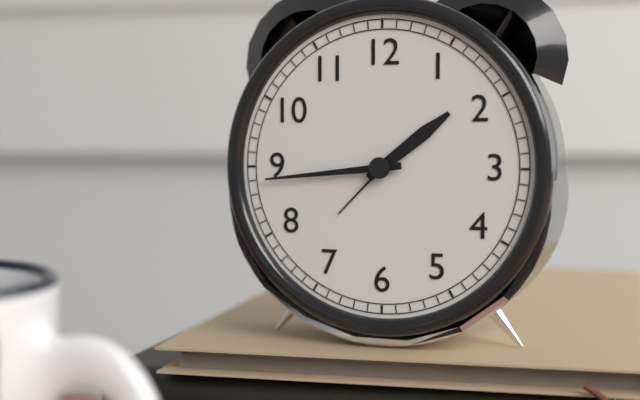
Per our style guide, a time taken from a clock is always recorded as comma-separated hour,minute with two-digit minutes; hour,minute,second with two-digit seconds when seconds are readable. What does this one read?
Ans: 1,44
